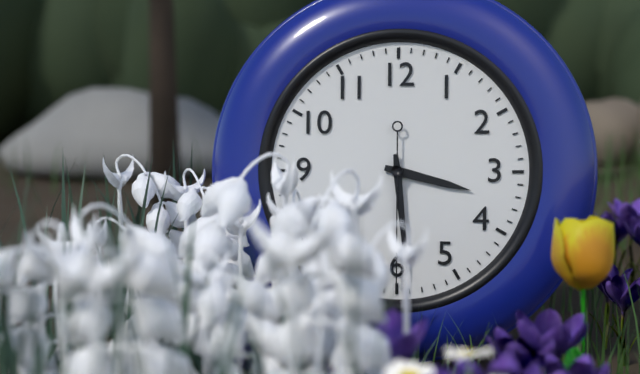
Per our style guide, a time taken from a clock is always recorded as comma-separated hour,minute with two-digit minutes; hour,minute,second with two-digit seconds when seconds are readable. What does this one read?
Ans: 3,29,30
